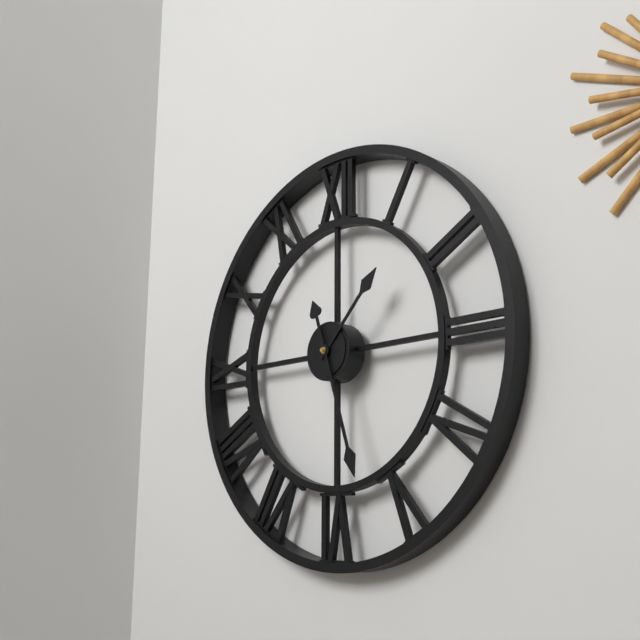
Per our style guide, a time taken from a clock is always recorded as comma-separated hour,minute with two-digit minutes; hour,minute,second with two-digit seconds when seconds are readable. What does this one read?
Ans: 1,27
